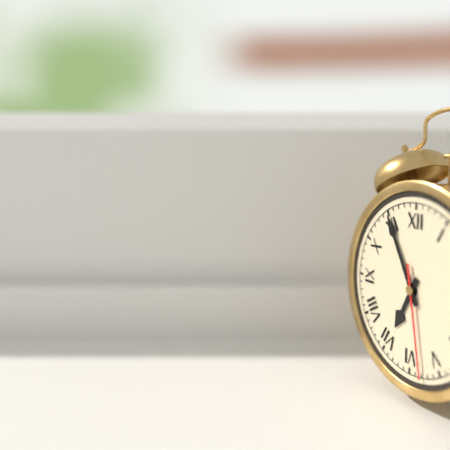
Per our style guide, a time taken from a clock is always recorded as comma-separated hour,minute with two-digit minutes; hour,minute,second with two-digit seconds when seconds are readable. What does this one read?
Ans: 6,55,28
